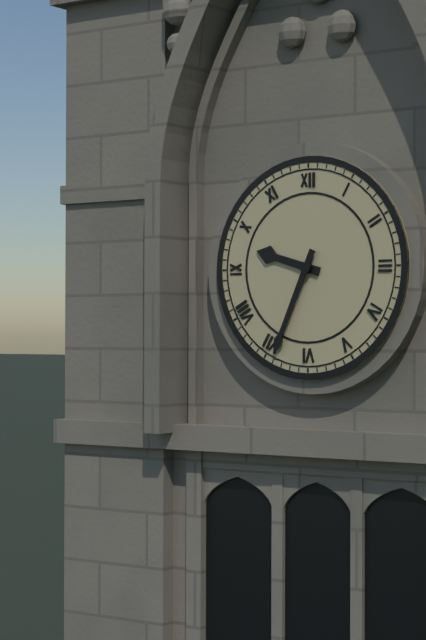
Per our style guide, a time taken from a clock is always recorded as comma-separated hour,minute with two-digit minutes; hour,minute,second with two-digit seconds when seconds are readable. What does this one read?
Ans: 9,34
